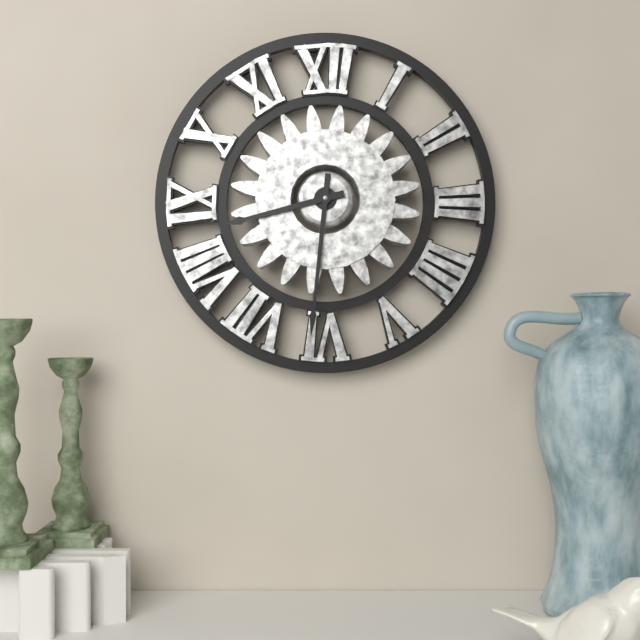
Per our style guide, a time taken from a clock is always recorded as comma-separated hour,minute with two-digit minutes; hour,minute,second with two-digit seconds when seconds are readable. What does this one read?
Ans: 8,31
